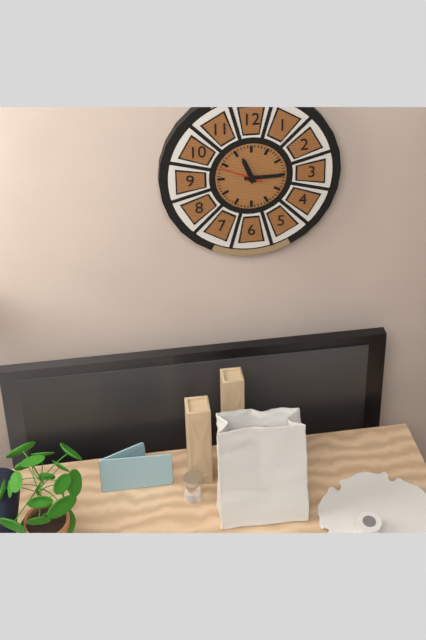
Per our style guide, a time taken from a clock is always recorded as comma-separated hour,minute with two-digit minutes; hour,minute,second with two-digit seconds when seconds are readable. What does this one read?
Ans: 11,15
